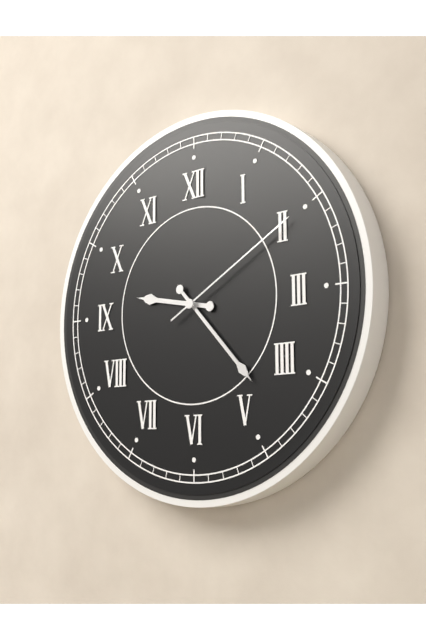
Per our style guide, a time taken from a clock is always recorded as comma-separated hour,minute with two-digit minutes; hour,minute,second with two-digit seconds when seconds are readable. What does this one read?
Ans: 9,23,10
